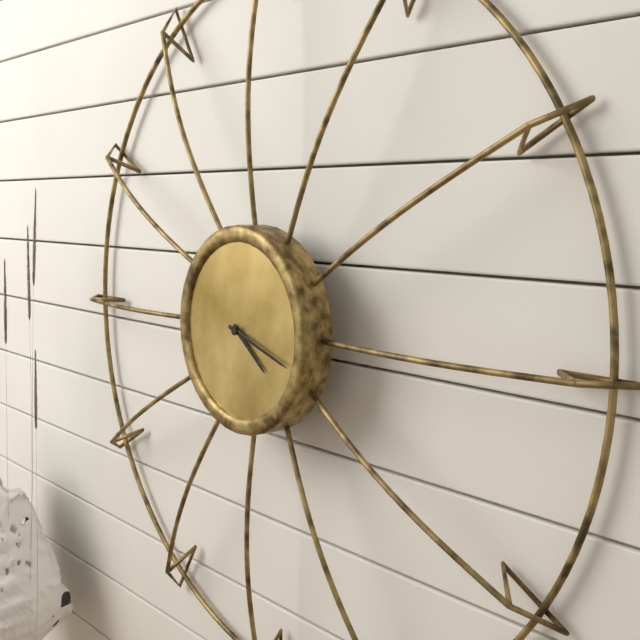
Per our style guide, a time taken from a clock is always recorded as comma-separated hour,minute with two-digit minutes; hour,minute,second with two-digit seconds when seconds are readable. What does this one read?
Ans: 4,18
